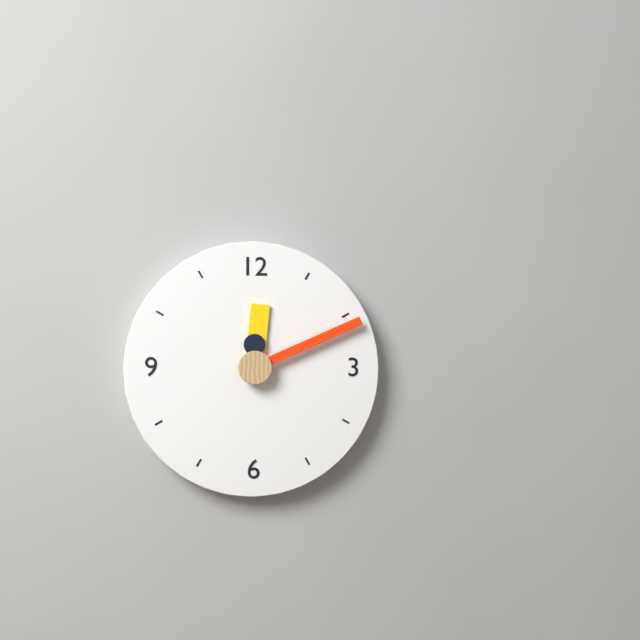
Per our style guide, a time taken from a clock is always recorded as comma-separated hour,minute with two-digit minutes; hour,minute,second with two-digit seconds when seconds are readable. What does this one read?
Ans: 12,11
